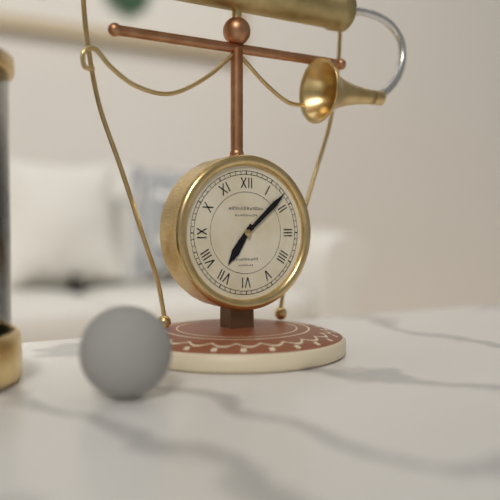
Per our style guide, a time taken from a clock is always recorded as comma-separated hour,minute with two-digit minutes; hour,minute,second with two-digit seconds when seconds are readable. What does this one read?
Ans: 7,08
